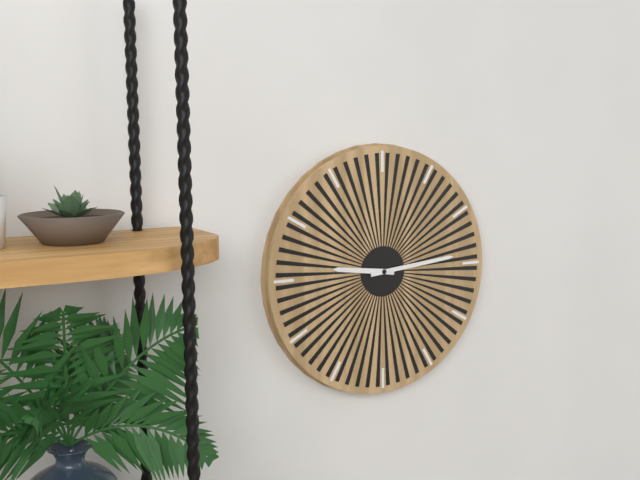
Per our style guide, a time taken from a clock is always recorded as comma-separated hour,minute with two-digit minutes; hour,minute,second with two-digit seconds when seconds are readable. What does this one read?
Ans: 9,14
